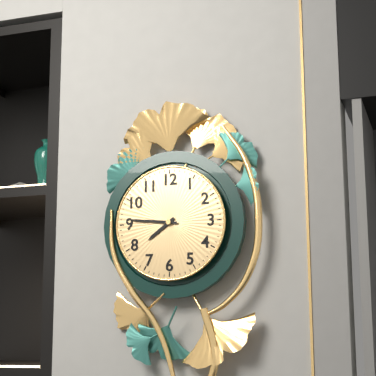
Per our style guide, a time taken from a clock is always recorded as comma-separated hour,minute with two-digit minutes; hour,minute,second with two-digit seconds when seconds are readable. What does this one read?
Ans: 7,46
